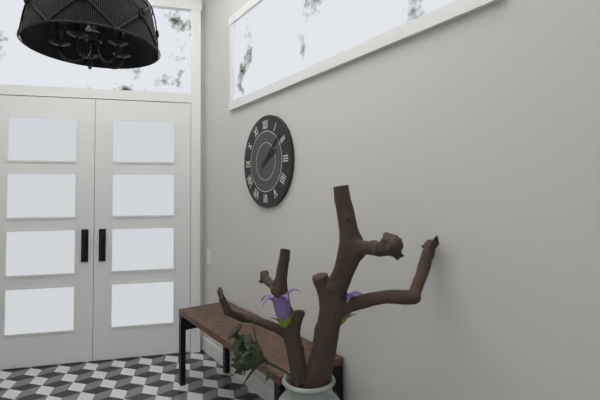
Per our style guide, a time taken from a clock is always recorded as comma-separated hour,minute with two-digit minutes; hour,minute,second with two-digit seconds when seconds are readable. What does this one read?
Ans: 2,08
